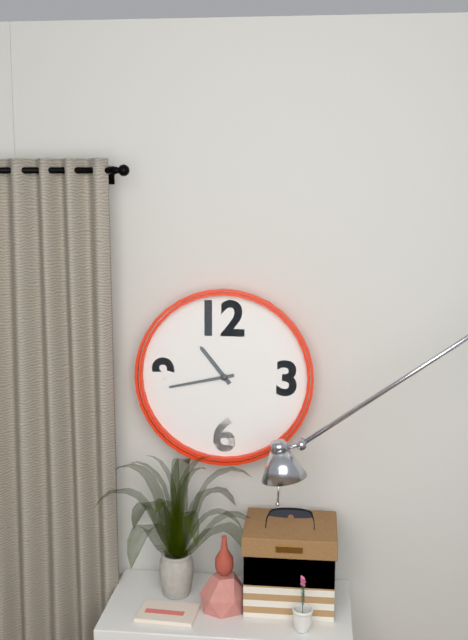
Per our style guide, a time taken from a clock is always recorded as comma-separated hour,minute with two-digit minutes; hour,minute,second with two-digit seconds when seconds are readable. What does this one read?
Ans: 10,43
